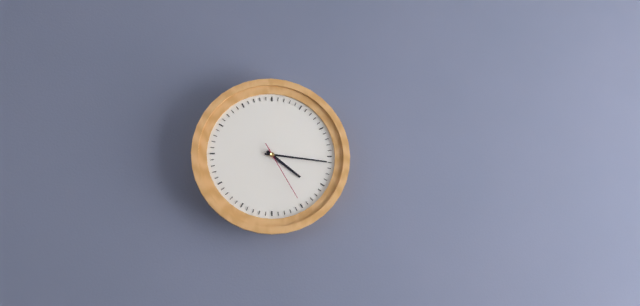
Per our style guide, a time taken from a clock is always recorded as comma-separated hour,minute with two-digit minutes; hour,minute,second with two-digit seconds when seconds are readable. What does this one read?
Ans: 4,16,25
